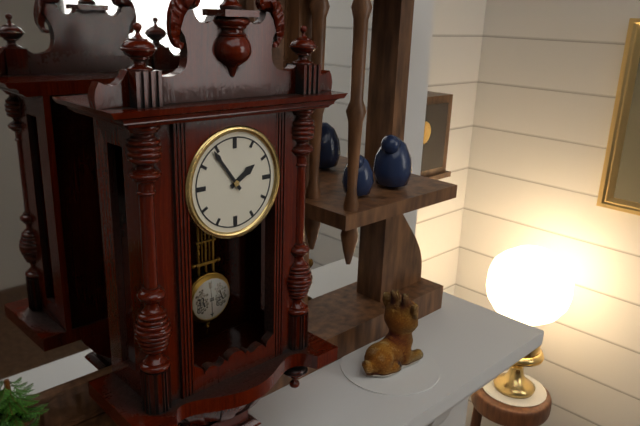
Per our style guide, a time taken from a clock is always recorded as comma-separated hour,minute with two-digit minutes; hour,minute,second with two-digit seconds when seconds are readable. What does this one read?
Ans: 1,54
